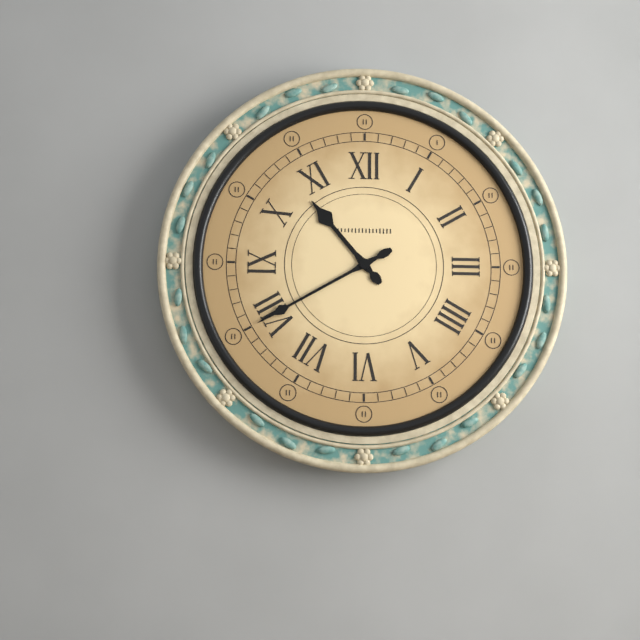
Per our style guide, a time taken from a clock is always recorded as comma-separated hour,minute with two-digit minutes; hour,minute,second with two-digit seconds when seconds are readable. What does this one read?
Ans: 10,40
